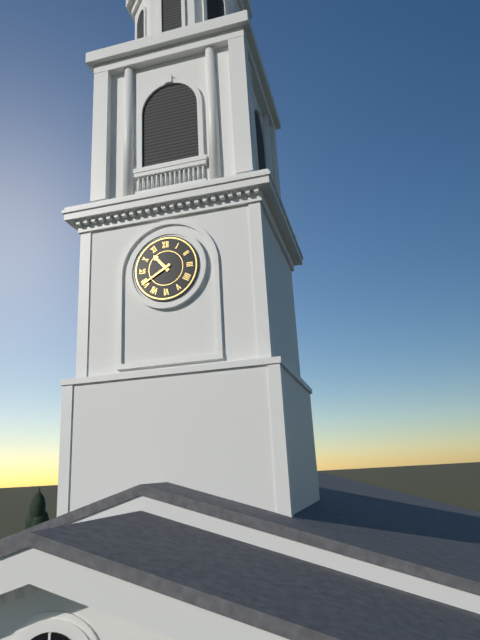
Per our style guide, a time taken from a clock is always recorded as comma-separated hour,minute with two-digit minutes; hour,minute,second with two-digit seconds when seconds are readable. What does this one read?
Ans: 10,40
